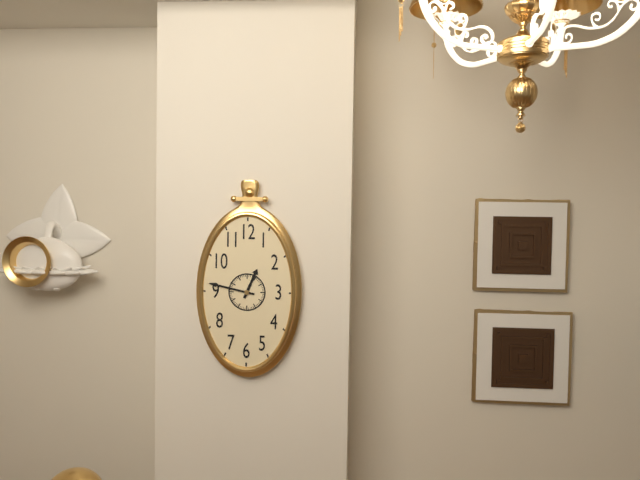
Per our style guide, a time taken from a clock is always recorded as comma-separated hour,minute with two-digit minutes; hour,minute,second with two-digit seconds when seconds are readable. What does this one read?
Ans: 12,47
